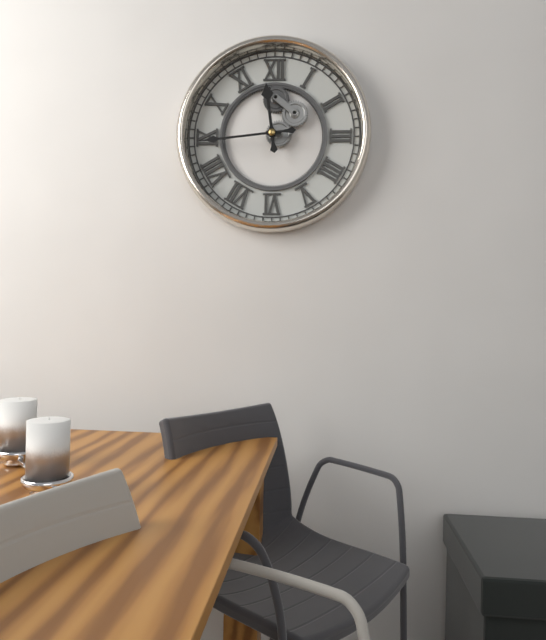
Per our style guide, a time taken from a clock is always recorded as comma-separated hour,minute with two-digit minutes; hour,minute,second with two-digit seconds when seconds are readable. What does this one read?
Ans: 11,44
